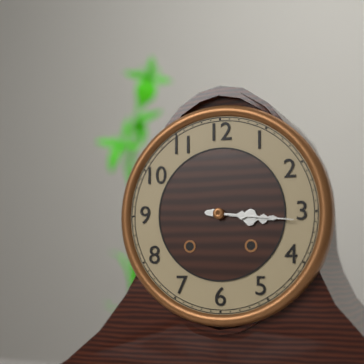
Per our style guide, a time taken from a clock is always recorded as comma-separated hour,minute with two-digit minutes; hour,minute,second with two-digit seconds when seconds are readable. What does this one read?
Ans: 3,16
